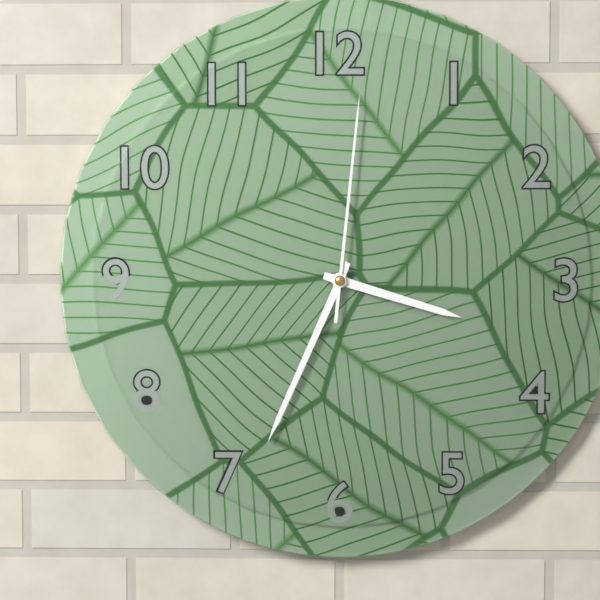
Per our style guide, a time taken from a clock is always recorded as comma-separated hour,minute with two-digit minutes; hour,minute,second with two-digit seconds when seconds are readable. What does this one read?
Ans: 3,34,01
